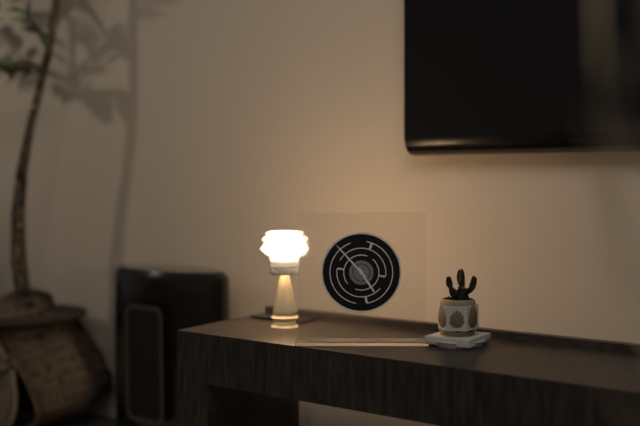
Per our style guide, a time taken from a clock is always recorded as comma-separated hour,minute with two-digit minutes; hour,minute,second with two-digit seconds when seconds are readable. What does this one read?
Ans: 4,53
